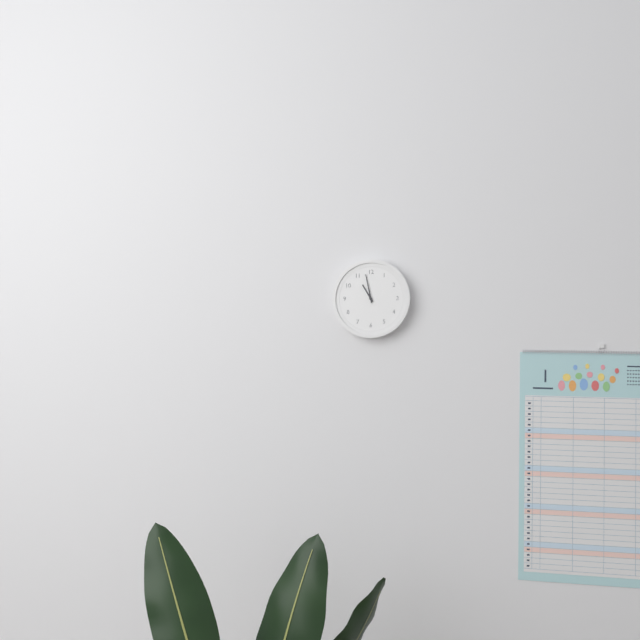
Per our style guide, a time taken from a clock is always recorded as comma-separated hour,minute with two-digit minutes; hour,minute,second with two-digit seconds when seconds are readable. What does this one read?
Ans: 10,58
